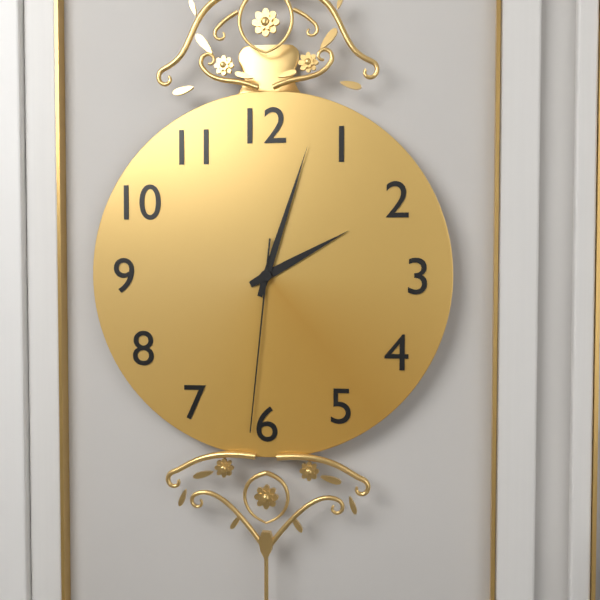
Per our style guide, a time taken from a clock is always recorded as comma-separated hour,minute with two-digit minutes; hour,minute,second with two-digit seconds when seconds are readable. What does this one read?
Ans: 2,03,31
